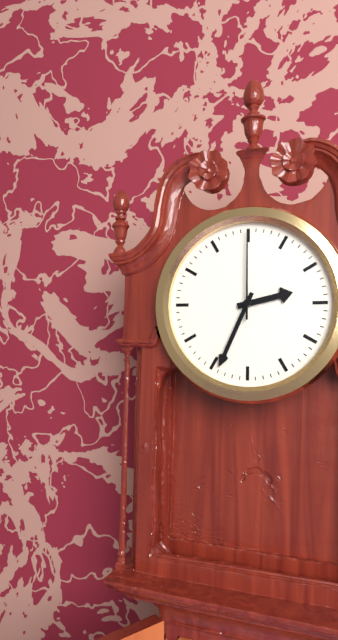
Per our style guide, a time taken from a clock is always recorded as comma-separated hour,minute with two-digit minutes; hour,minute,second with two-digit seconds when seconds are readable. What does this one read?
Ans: 2,34,00
